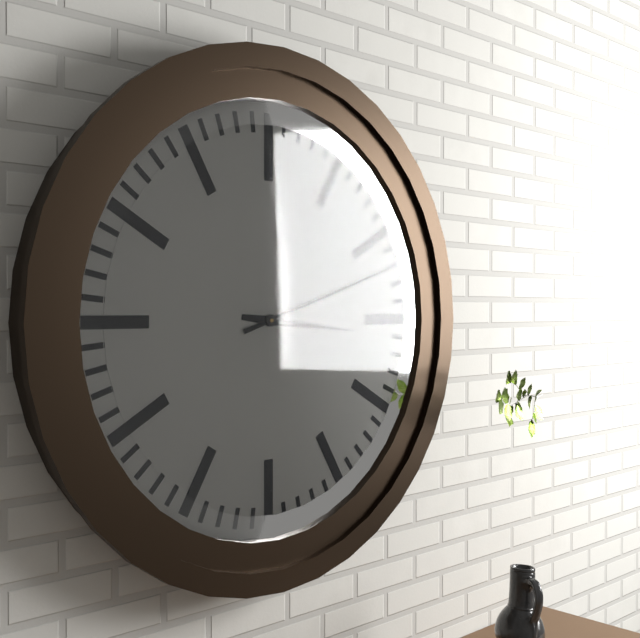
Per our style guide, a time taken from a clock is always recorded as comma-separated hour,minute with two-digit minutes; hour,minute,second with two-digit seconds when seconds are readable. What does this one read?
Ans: 3,12
